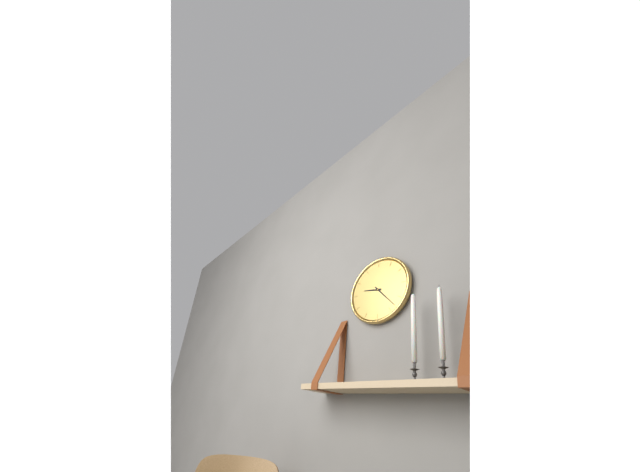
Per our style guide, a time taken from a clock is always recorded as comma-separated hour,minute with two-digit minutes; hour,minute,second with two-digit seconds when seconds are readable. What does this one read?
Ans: 9,23
